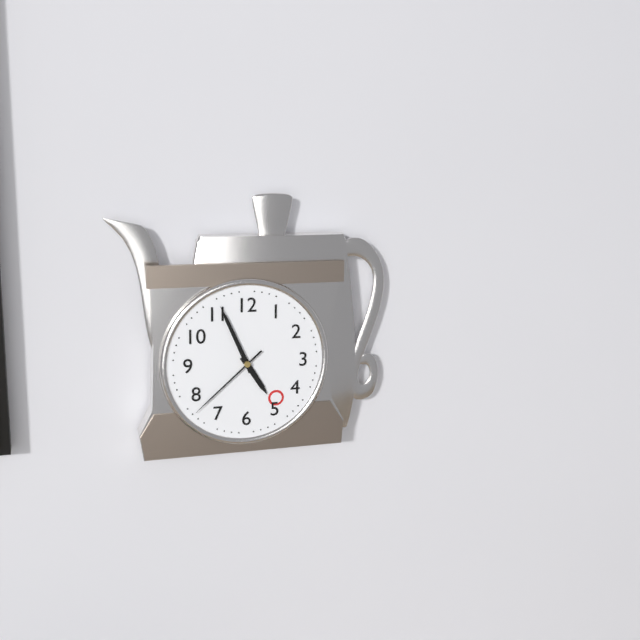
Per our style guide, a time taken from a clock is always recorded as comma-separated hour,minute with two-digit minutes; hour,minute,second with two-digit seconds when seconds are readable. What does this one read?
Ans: 4,56,38
